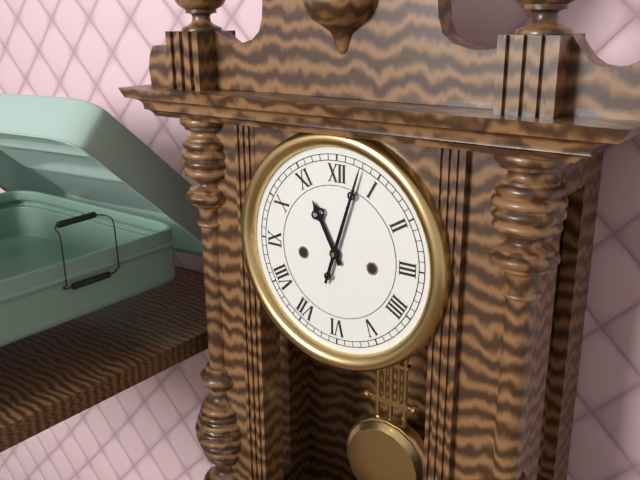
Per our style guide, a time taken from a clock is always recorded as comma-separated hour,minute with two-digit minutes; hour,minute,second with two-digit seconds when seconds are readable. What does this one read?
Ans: 11,03
